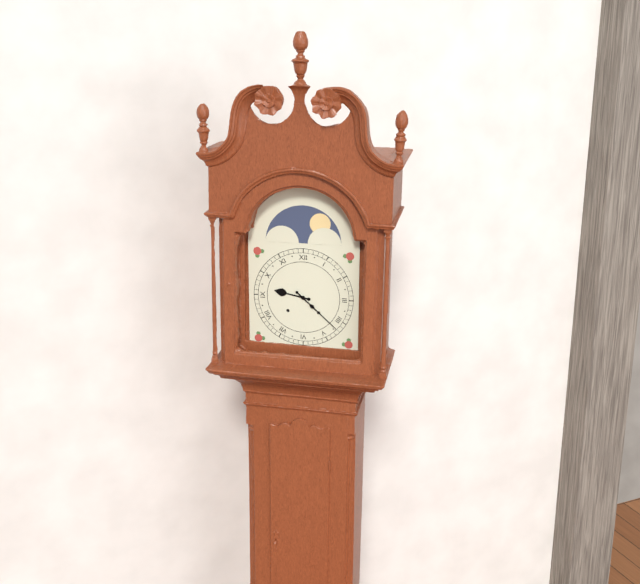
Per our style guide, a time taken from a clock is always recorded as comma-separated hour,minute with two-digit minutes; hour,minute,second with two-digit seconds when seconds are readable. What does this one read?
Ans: 9,22
